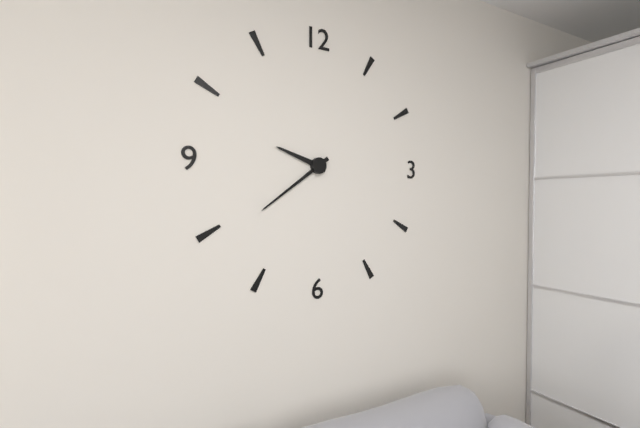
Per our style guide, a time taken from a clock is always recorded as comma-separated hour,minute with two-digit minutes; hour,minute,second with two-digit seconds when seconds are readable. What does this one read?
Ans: 9,39
